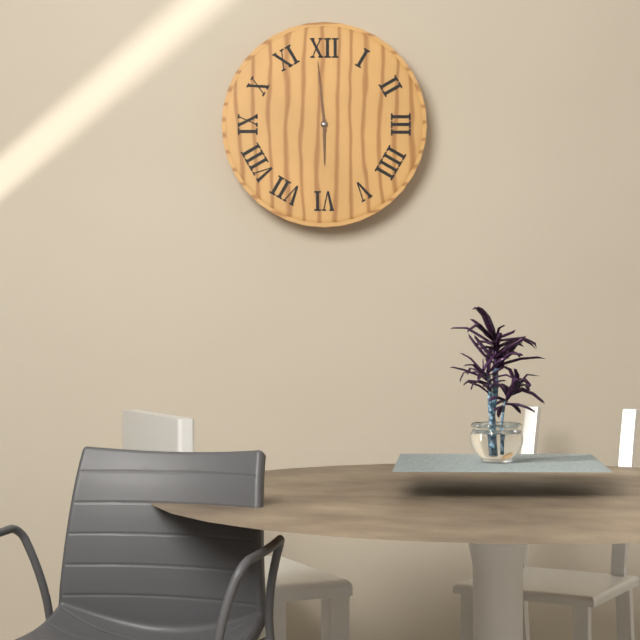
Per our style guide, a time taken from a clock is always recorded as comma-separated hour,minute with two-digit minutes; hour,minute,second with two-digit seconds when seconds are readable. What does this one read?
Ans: 5,59
